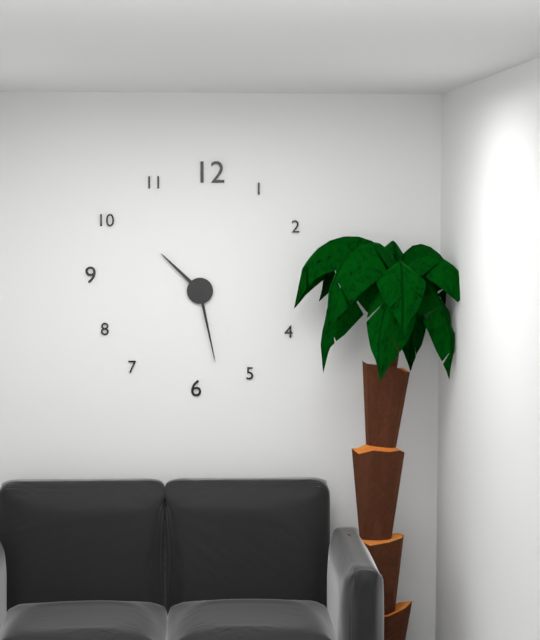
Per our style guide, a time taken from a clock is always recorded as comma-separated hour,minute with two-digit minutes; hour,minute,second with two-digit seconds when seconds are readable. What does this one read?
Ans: 10,28
